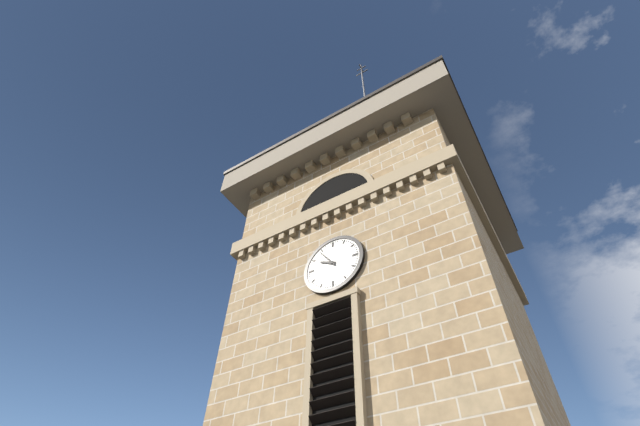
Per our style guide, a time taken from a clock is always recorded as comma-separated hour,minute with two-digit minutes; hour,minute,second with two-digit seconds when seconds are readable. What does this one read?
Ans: 9,54
